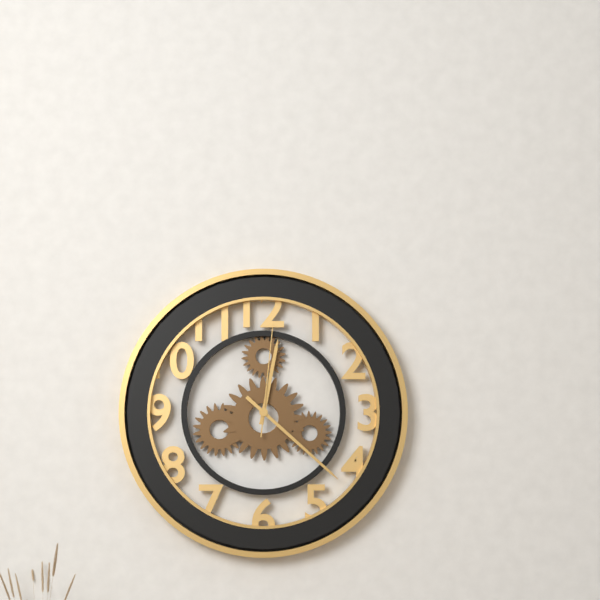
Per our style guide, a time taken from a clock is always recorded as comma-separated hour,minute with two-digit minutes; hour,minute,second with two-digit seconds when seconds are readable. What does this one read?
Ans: 12,22,01
